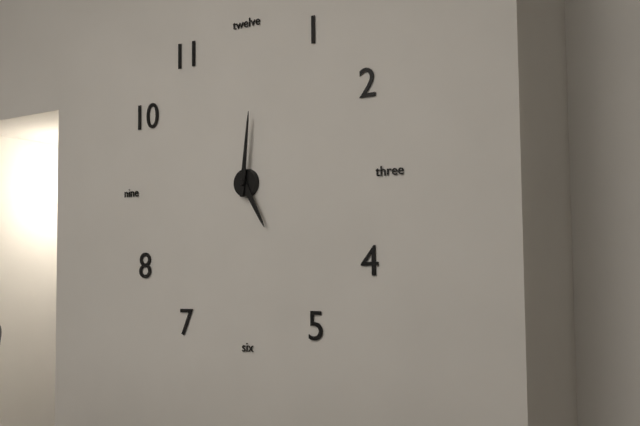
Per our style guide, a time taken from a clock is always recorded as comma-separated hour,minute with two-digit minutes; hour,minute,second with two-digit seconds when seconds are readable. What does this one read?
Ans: 5,01
